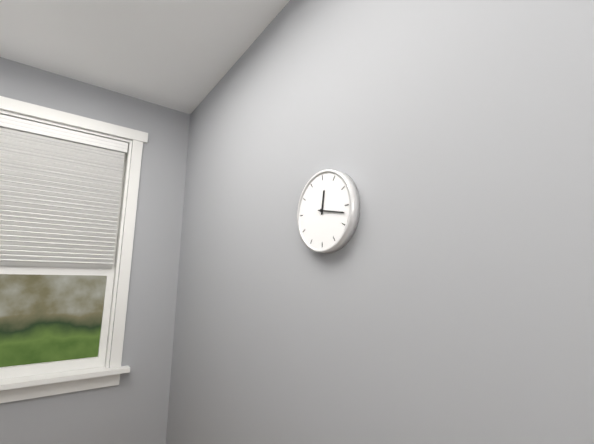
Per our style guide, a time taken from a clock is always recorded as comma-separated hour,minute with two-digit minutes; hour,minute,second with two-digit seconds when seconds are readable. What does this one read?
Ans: 12,17
